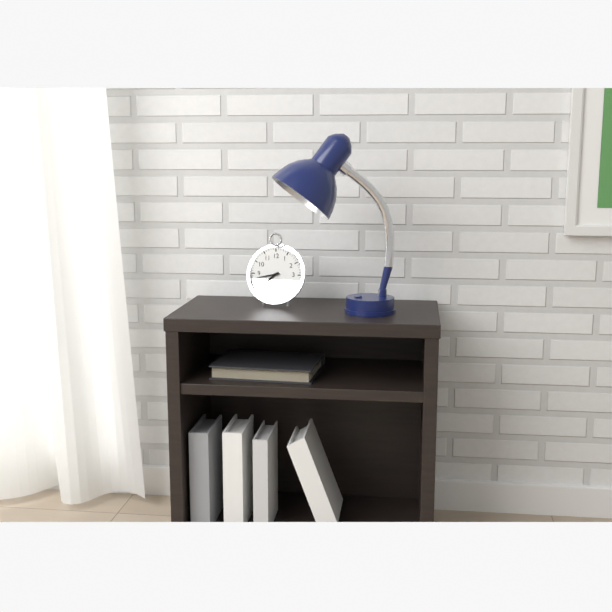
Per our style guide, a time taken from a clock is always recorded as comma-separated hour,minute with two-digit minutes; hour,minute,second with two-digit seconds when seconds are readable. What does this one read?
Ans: 7,43
